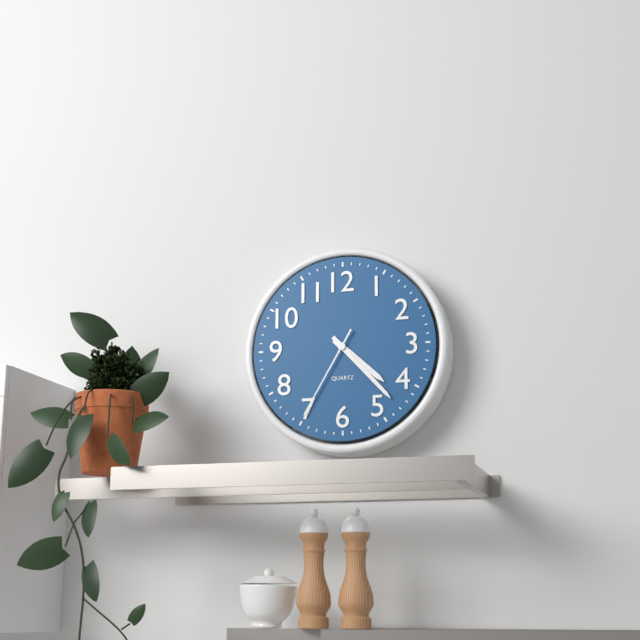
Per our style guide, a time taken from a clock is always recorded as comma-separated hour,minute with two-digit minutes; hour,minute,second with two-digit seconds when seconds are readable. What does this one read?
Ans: 4,23,35
